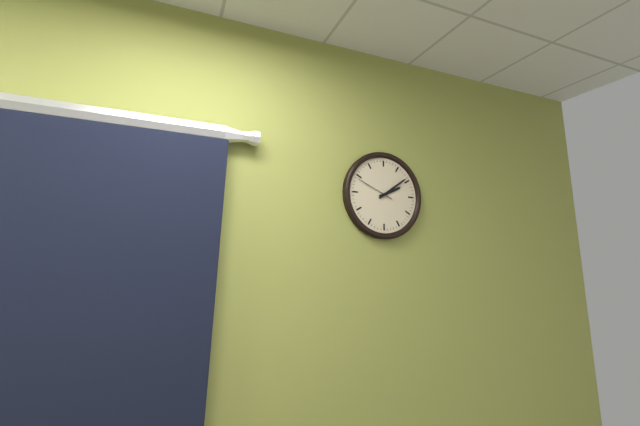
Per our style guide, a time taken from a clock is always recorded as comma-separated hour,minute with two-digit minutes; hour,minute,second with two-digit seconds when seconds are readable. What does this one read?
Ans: 2,09
